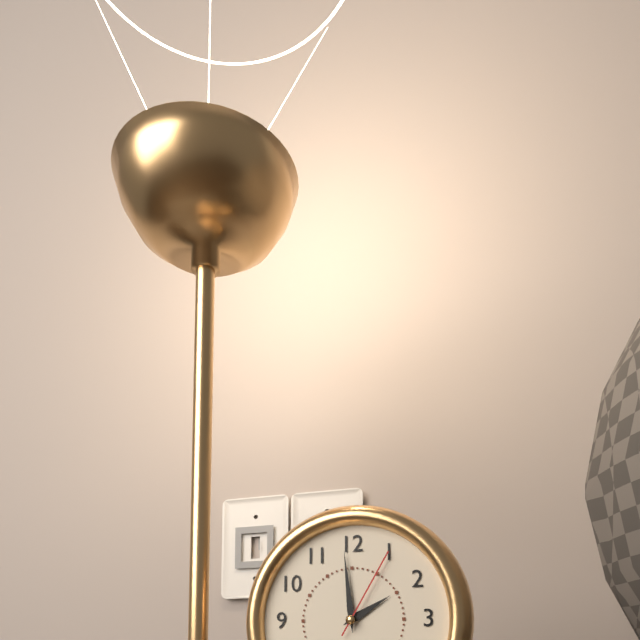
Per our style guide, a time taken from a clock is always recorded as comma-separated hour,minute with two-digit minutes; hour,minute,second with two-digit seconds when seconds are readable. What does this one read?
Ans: 1,59,05
